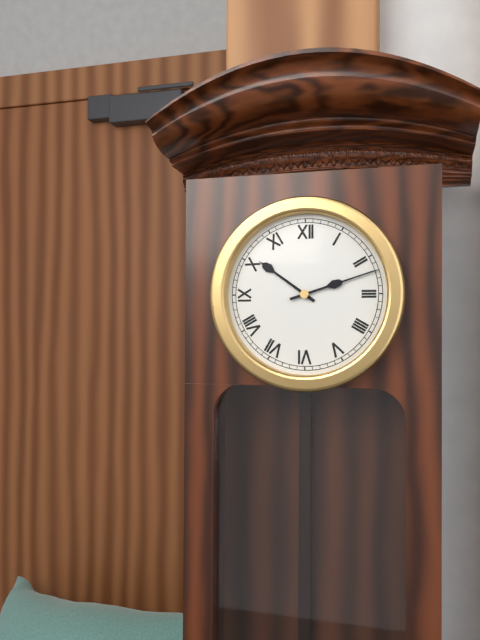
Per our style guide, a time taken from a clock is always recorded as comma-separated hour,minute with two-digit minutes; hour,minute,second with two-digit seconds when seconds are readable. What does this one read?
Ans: 10,12
